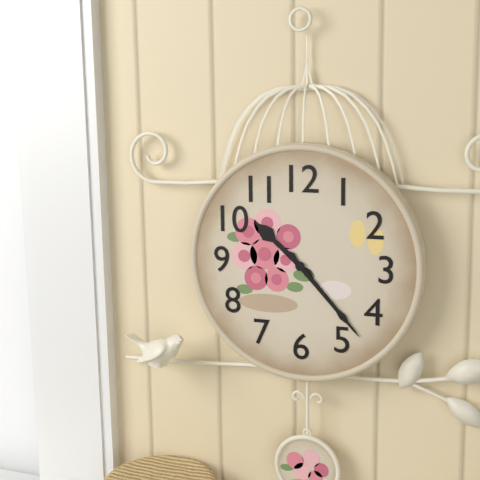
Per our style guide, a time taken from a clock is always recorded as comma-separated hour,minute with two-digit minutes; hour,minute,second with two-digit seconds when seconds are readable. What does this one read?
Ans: 10,23
